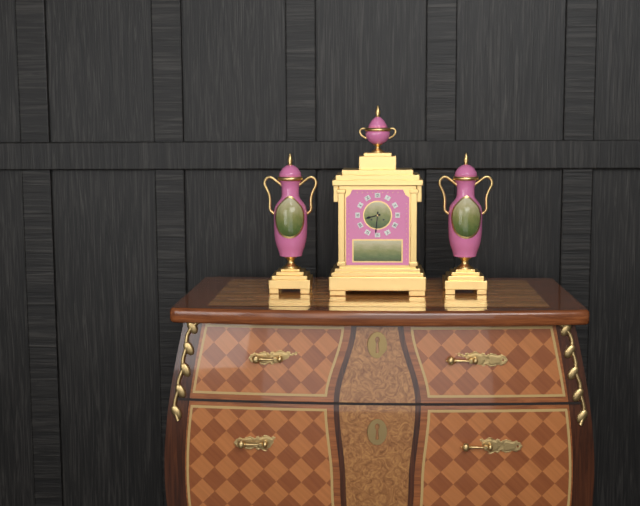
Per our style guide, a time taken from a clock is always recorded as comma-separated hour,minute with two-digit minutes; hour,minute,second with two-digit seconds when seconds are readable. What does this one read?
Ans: 8,31
